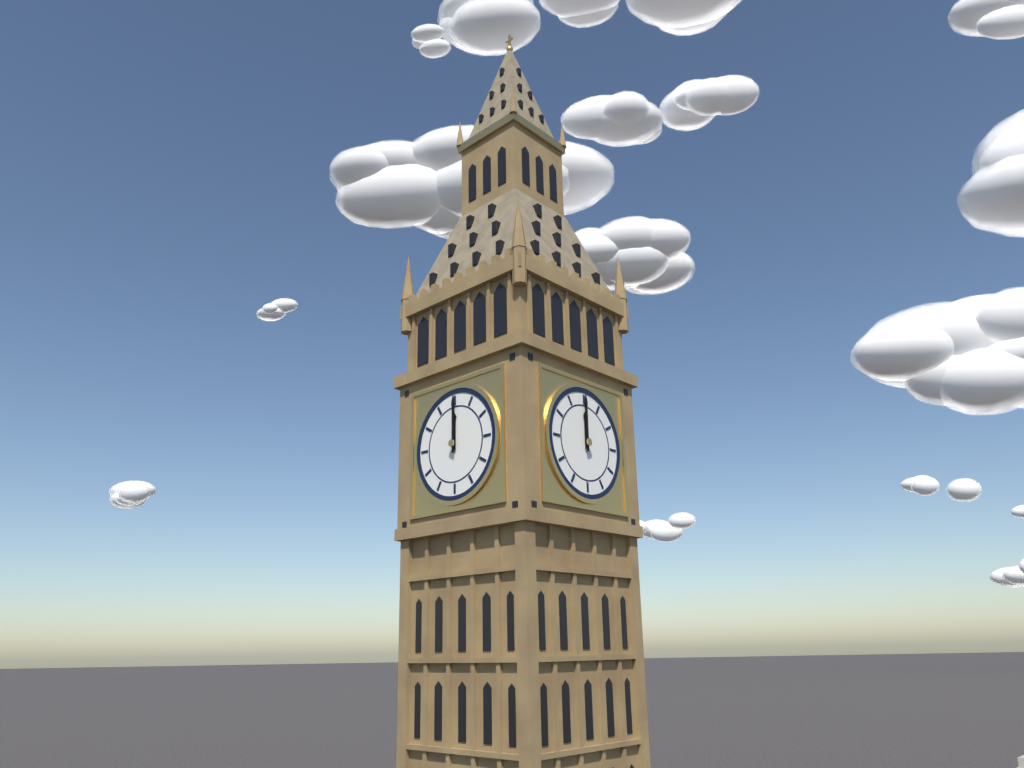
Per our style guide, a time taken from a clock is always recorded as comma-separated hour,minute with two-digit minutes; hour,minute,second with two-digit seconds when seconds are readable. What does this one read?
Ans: 12,00
